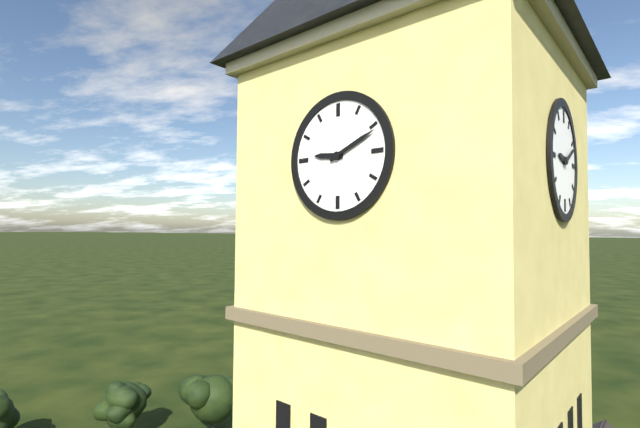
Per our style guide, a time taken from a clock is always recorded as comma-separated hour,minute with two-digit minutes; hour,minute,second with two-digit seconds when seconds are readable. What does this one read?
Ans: 9,11
